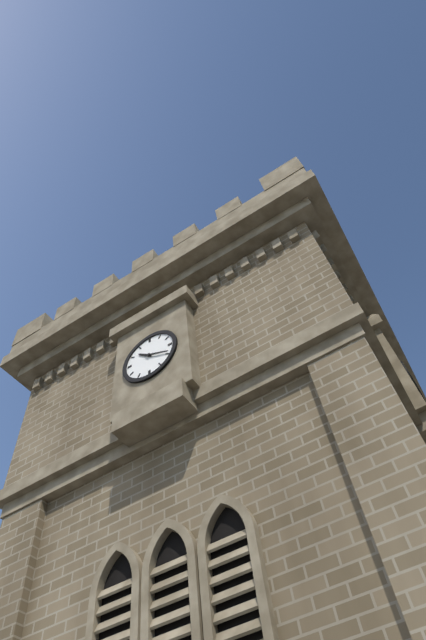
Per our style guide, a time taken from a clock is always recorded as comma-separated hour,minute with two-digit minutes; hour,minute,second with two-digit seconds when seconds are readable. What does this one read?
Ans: 10,19
